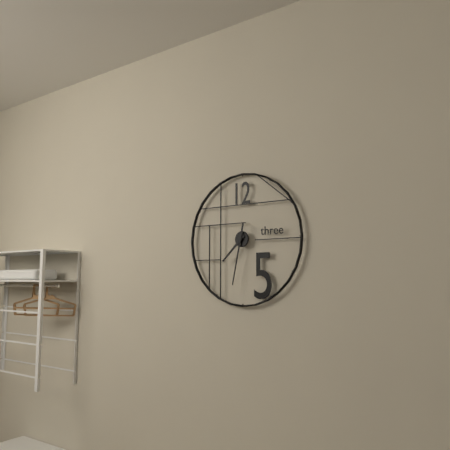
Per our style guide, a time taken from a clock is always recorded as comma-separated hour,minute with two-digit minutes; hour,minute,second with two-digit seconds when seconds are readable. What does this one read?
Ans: 7,32
